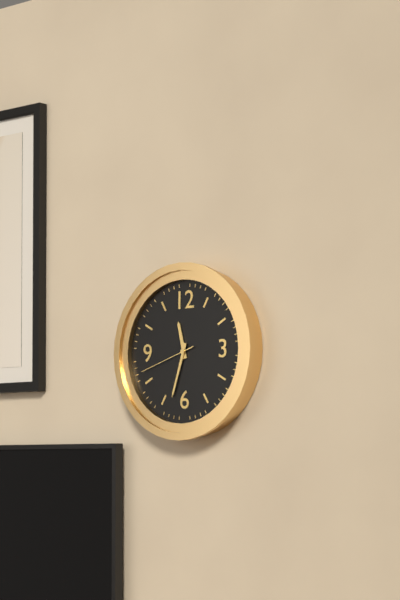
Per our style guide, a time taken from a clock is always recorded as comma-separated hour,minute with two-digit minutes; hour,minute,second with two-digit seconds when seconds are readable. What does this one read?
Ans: 11,33,42
